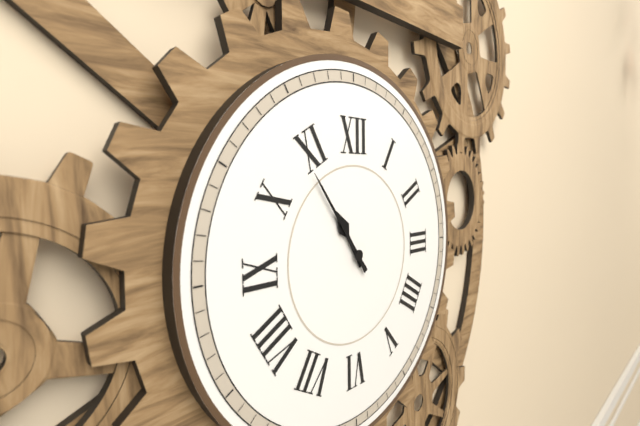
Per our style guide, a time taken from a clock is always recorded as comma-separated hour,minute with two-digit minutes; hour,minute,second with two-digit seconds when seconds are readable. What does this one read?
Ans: 10,54
